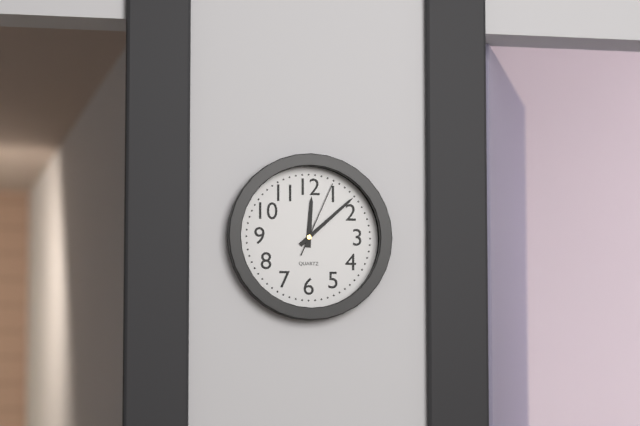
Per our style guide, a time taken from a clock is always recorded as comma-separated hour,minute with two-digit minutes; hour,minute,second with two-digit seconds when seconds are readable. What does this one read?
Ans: 12,08,04
